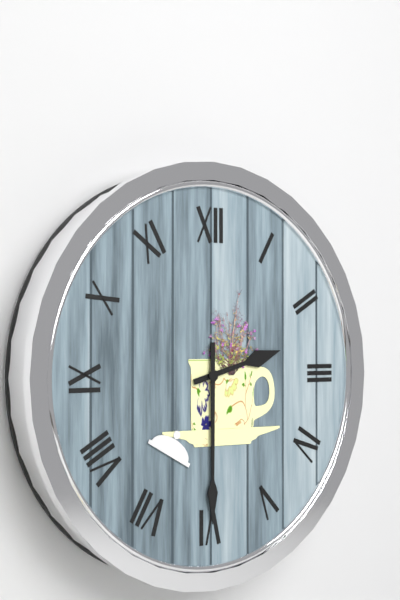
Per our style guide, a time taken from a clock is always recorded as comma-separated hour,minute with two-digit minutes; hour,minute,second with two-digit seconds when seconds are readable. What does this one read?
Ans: 2,30
